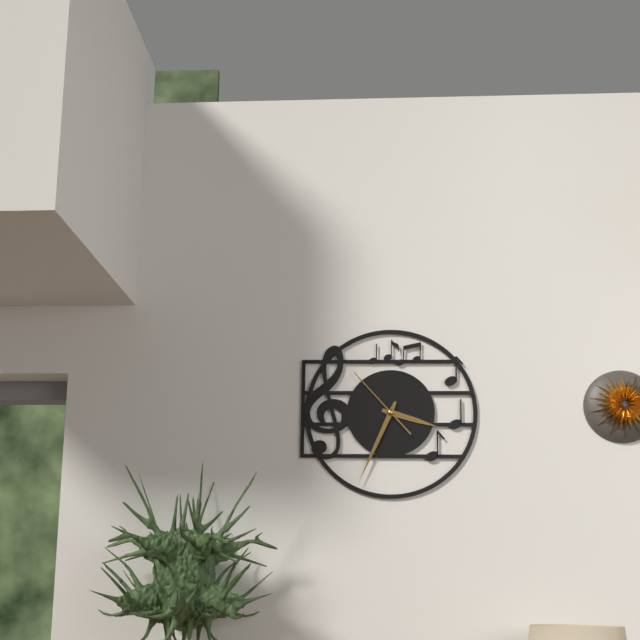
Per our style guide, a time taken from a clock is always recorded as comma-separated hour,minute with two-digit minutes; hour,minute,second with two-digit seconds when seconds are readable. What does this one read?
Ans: 3,34,53
